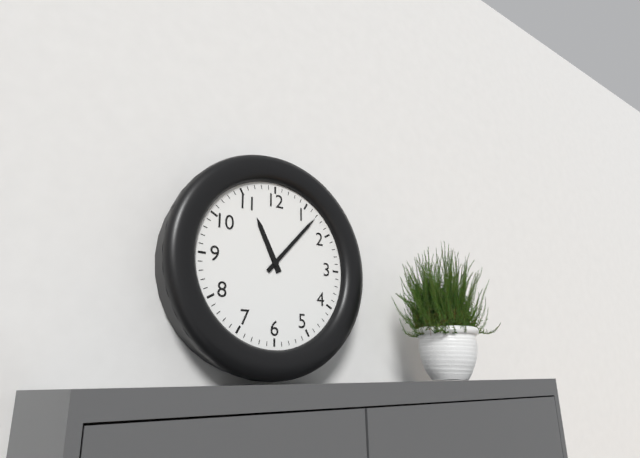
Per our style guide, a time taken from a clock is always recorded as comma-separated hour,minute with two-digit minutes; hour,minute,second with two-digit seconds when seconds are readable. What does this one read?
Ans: 11,07
